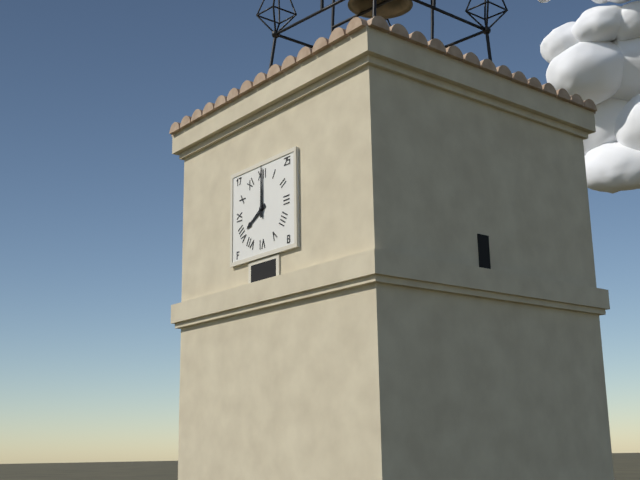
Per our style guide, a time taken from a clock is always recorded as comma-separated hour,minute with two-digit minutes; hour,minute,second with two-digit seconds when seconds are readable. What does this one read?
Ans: 8,00
